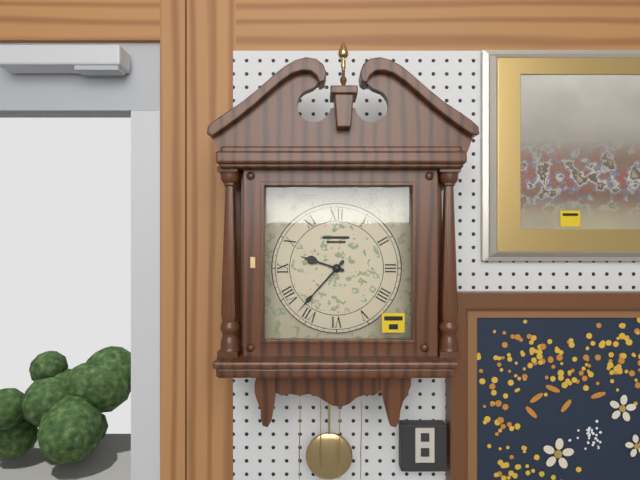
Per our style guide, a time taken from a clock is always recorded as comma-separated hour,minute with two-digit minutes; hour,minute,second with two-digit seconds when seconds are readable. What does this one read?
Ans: 9,37
